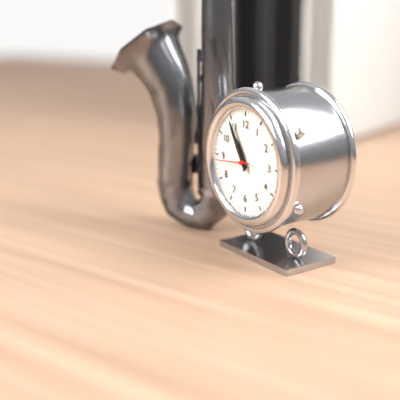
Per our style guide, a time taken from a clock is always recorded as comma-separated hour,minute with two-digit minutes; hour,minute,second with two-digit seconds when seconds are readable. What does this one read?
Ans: 10,55
